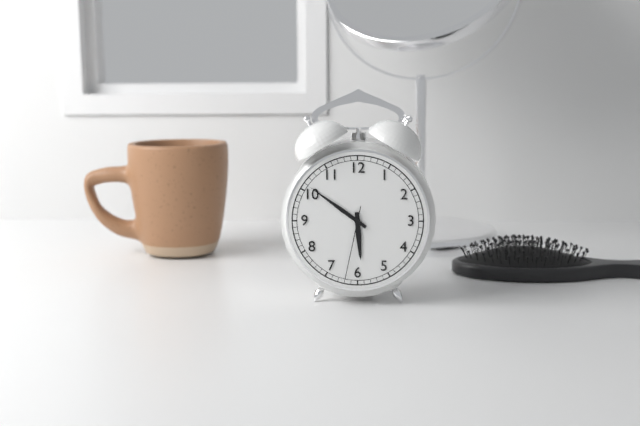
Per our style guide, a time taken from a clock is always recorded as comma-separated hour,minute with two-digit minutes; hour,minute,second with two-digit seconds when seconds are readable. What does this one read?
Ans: 5,51,32
